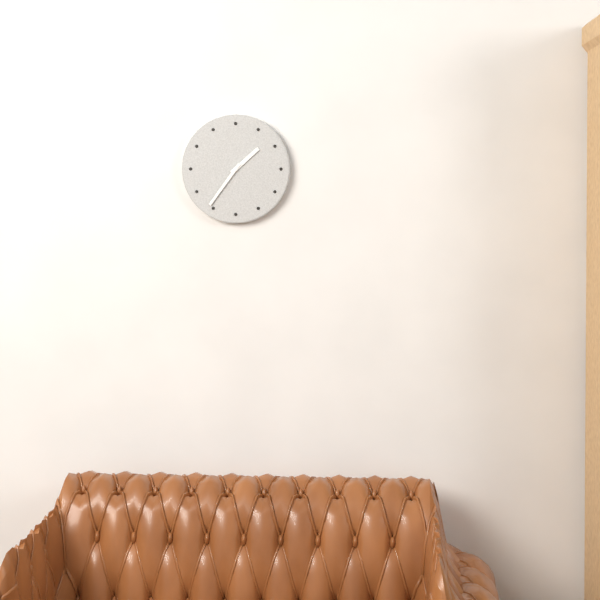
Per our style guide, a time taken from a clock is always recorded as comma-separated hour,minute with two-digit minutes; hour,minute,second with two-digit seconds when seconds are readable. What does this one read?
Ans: 1,36
